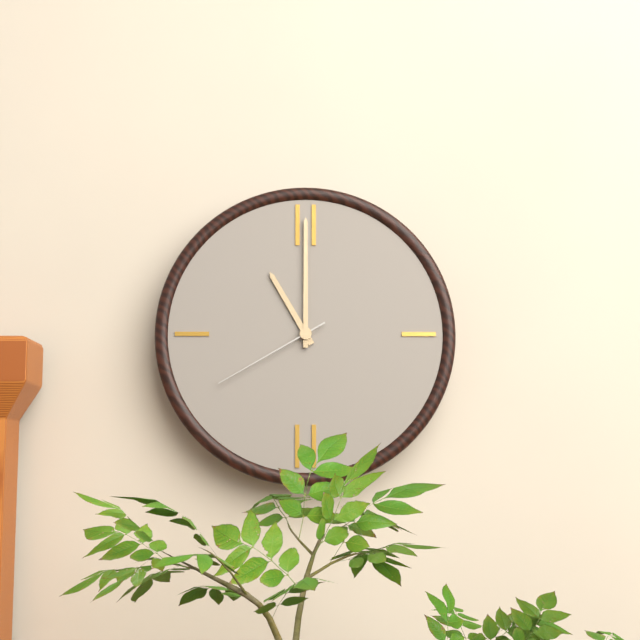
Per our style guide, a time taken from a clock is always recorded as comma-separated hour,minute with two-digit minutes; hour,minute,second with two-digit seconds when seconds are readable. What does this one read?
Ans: 11,00,40
